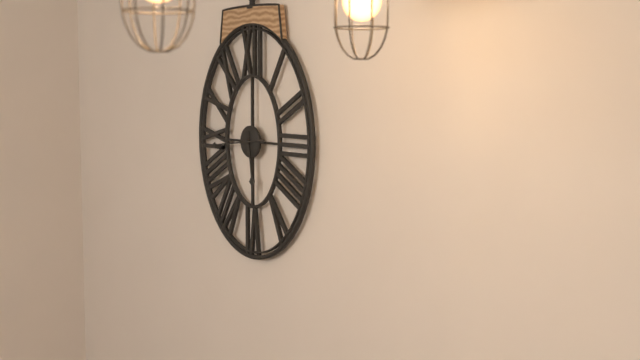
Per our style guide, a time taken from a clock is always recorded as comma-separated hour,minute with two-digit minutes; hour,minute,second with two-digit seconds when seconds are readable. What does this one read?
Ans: 5,44
